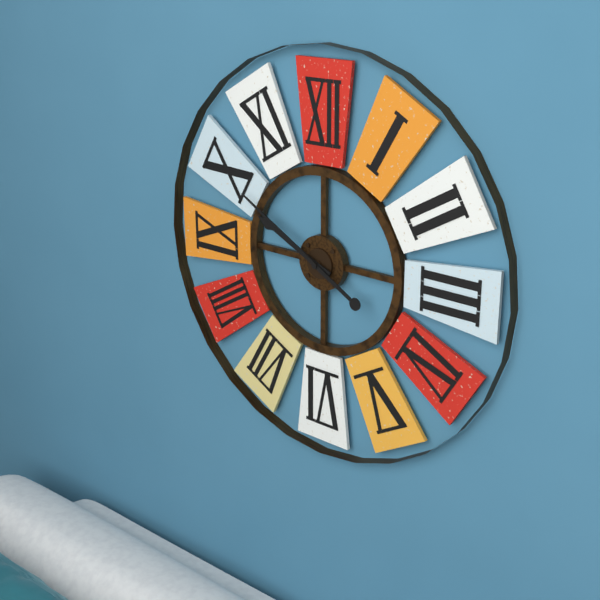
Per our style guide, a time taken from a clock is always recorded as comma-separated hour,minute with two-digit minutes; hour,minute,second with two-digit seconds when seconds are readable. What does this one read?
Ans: 9,50
